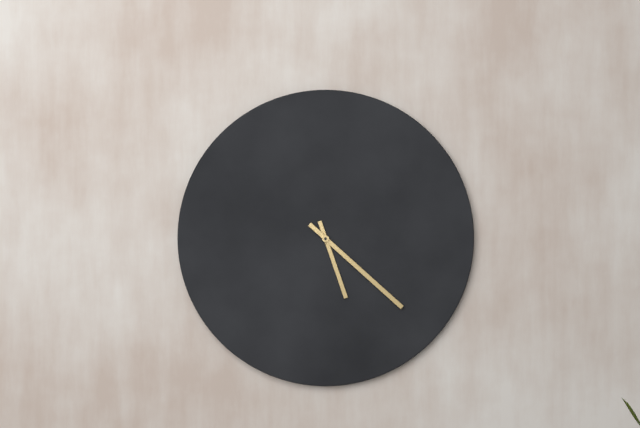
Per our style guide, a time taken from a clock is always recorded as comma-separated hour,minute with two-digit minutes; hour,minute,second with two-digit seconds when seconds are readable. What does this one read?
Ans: 5,22
